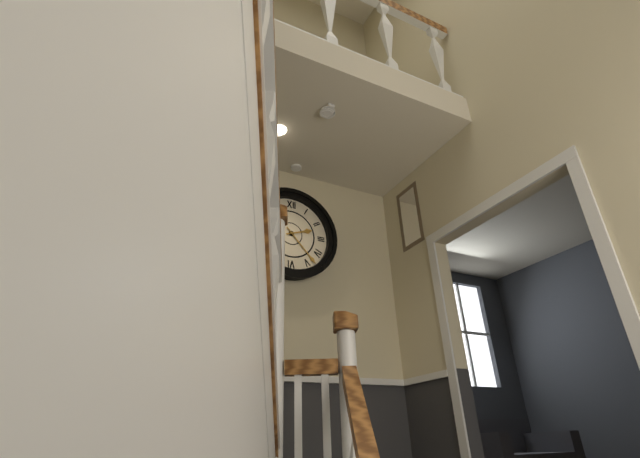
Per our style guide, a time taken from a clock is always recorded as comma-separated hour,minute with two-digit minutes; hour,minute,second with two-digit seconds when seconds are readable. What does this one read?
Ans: 2,23
